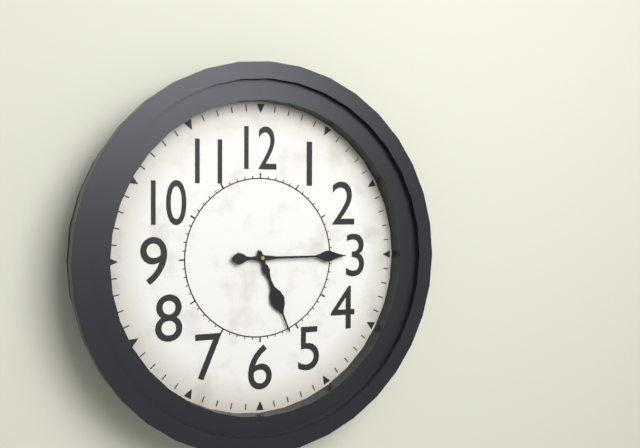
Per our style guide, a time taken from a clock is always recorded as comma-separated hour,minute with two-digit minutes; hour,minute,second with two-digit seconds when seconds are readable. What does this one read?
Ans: 5,15
